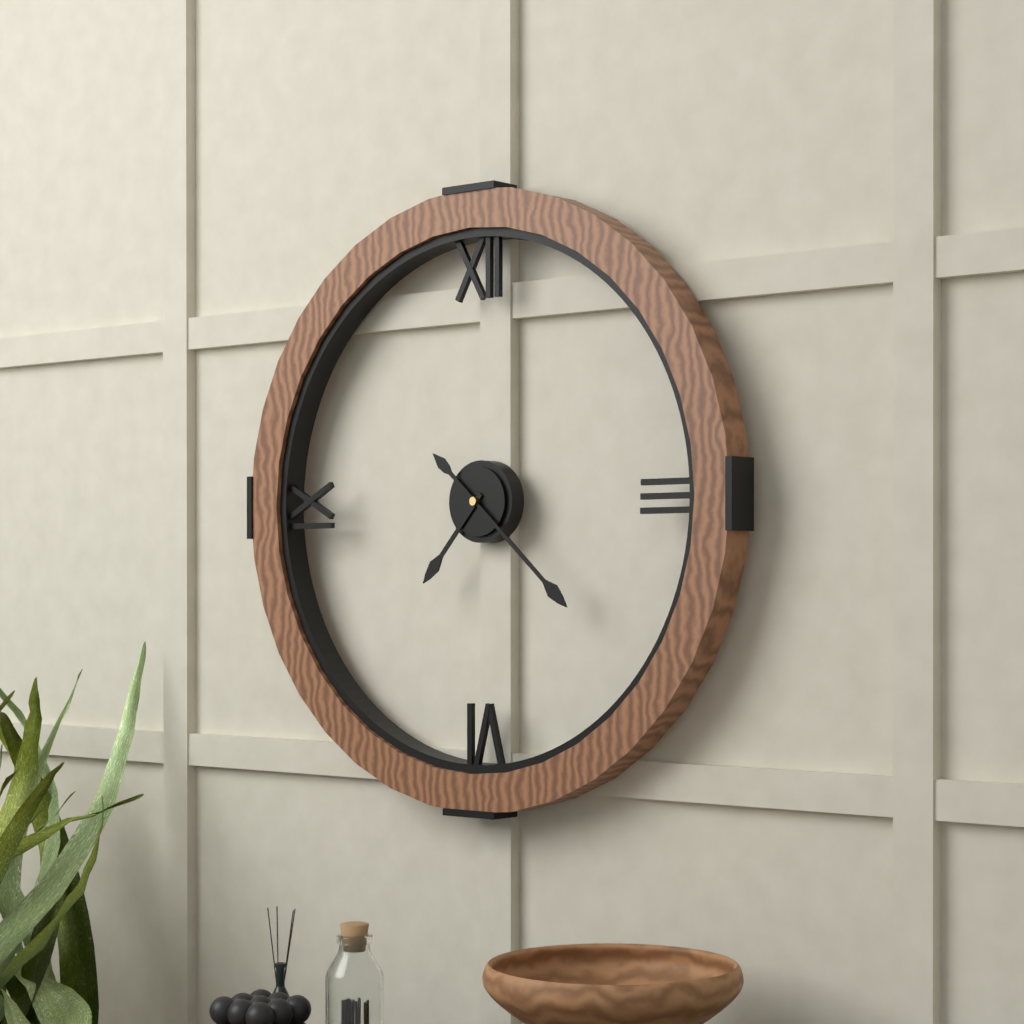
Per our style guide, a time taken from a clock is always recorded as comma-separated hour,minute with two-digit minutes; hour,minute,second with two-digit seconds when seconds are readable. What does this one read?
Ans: 7,22
